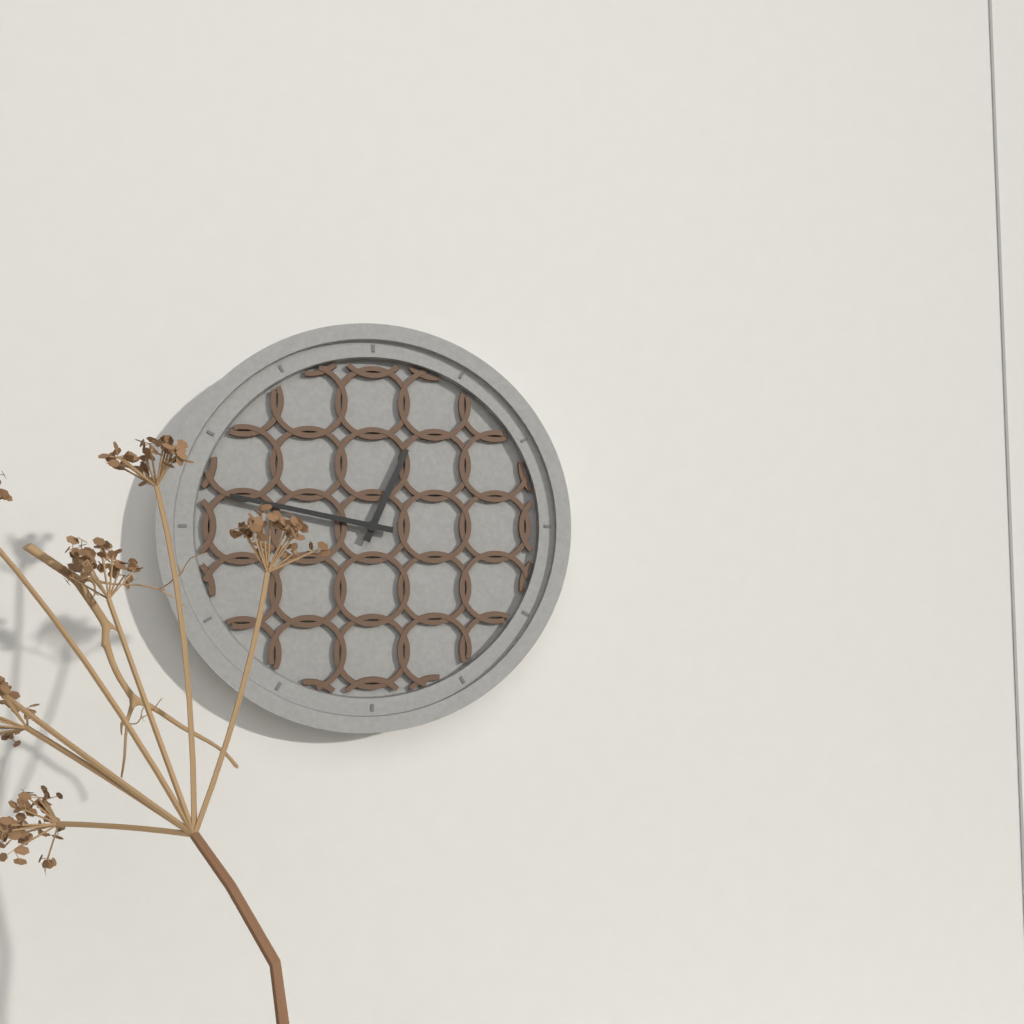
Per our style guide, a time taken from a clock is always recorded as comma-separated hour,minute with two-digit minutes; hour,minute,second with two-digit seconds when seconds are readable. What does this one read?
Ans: 12,47
